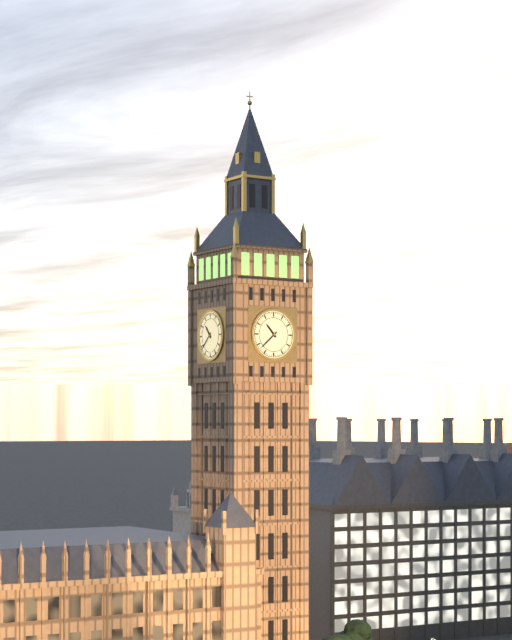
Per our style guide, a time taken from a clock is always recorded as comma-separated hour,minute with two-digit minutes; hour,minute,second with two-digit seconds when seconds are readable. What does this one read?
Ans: 10,38
